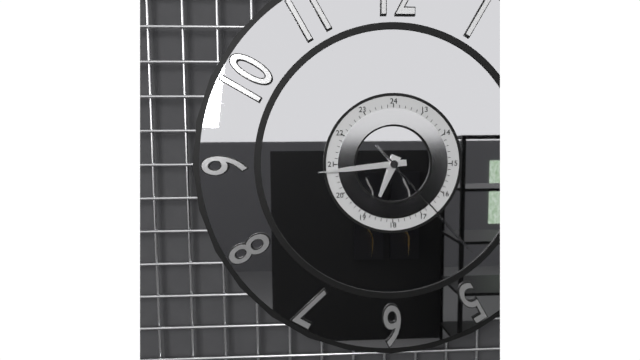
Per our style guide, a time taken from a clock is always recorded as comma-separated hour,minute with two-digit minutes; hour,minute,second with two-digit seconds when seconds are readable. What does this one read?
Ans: 6,44,23
